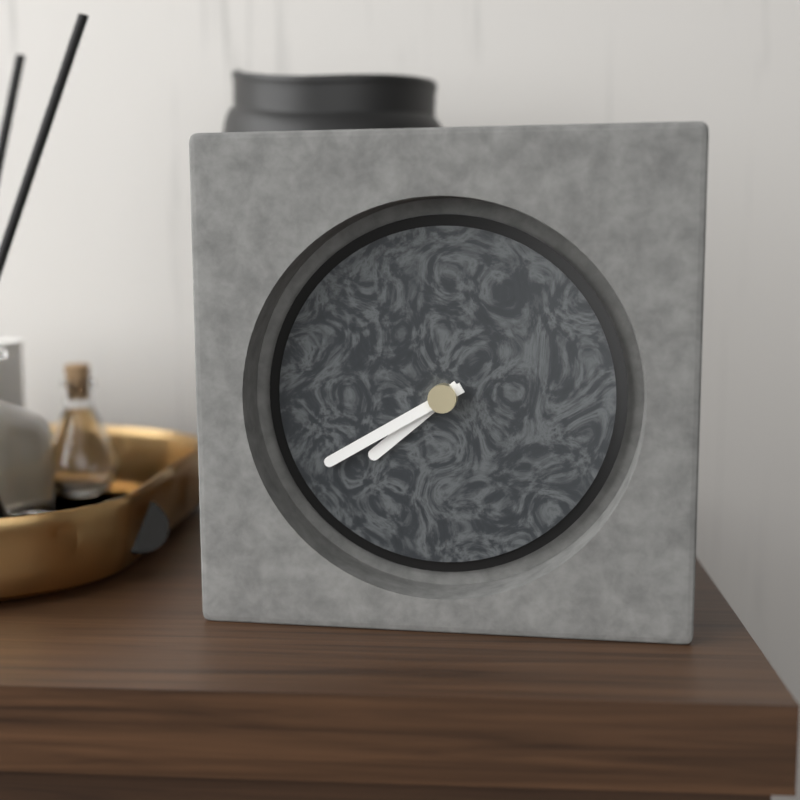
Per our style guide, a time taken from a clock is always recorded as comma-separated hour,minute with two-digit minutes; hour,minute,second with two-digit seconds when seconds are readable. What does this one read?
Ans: 7,40
